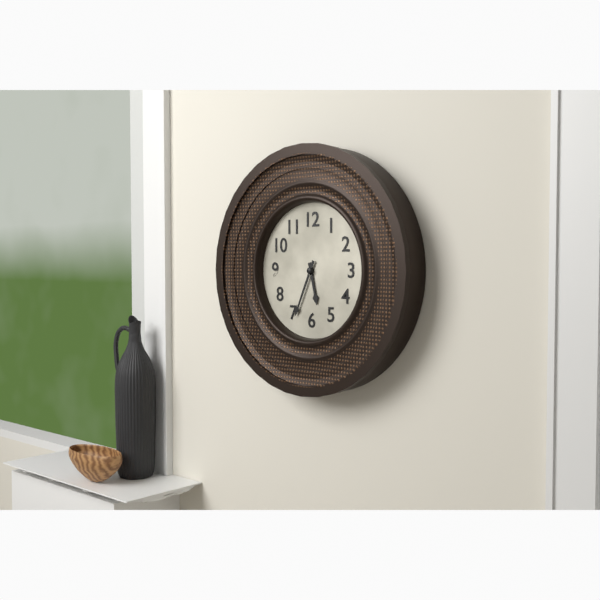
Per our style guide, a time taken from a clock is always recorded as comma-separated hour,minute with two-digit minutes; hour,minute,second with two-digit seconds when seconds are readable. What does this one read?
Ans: 5,34
